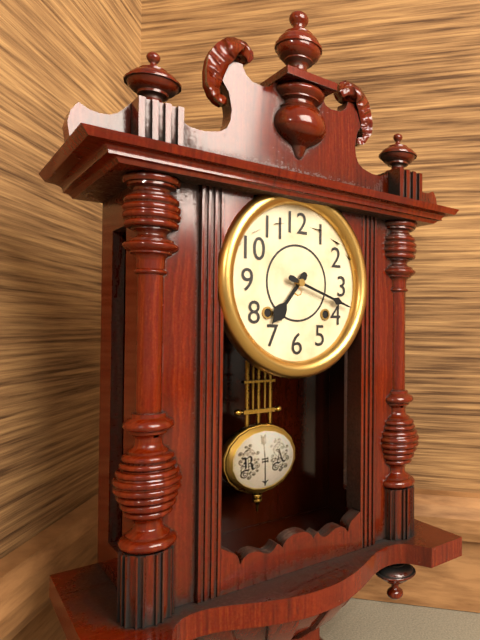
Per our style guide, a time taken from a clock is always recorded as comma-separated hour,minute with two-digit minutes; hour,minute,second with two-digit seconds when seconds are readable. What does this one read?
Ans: 7,18
